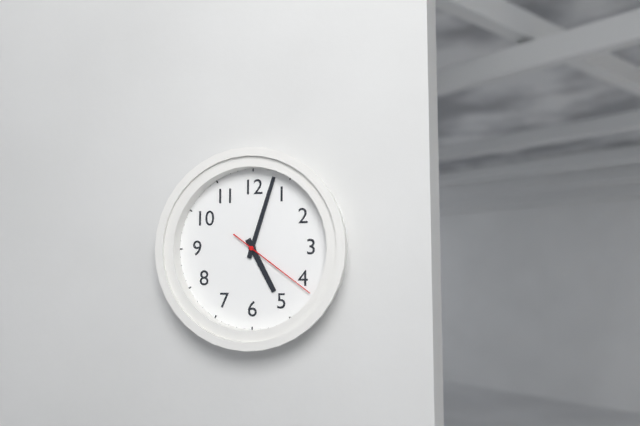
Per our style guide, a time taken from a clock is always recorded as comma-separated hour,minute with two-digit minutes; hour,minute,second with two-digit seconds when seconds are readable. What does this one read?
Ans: 5,03,21
